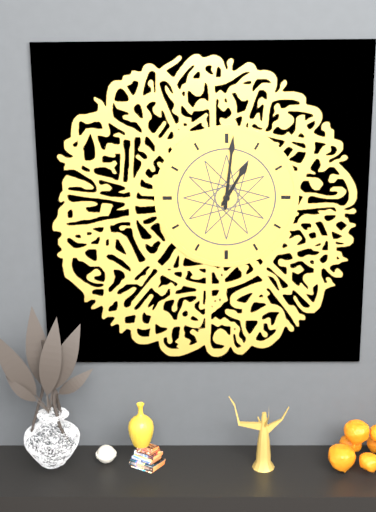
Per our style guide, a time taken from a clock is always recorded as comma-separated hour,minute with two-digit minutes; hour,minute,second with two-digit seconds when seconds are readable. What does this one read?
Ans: 1,01
